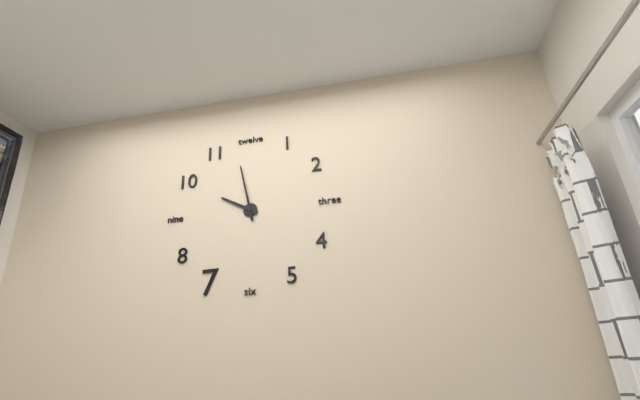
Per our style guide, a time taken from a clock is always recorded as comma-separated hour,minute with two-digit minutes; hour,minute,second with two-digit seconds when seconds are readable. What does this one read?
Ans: 9,58
